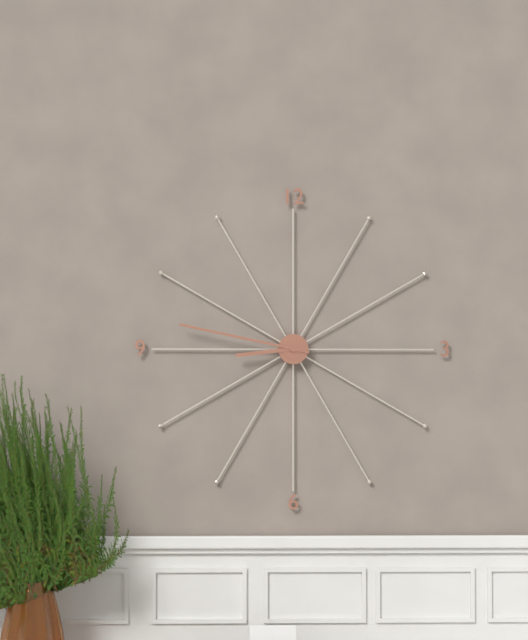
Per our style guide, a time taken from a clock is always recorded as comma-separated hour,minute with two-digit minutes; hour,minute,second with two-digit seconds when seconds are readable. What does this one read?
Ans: 8,47
